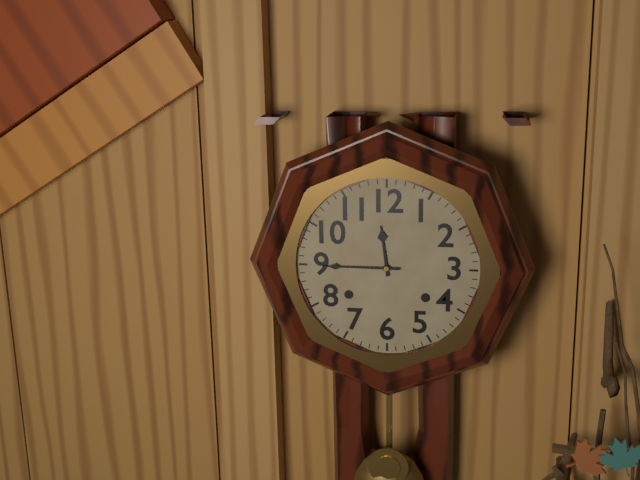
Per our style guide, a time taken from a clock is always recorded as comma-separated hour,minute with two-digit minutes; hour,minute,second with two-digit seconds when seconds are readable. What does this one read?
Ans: 11,45
